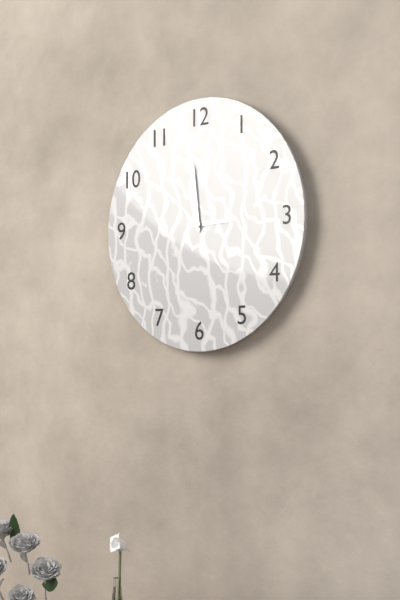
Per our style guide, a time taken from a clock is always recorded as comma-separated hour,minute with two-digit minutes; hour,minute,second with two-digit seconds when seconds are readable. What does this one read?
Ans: 2,59
